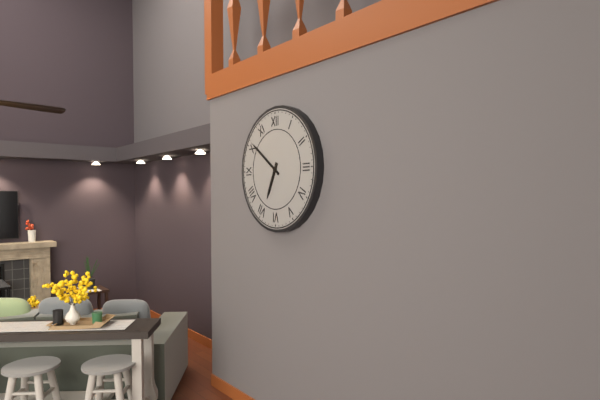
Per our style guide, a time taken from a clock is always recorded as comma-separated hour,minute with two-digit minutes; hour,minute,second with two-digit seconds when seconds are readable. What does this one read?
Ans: 6,51
